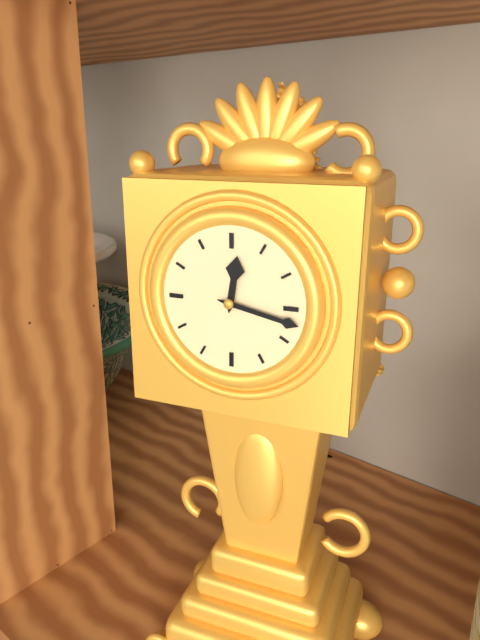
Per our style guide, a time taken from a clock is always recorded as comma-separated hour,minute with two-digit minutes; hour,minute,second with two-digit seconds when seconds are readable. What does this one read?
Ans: 12,17
